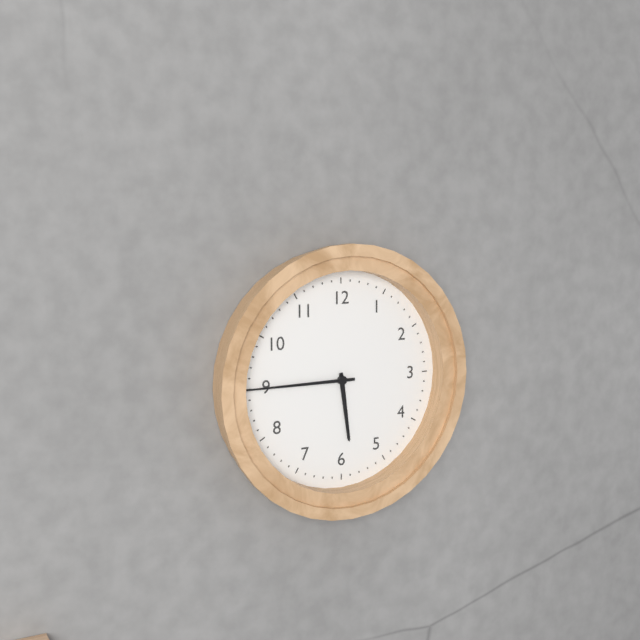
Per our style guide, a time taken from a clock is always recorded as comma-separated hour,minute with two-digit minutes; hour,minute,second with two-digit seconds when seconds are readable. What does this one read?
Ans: 5,45
